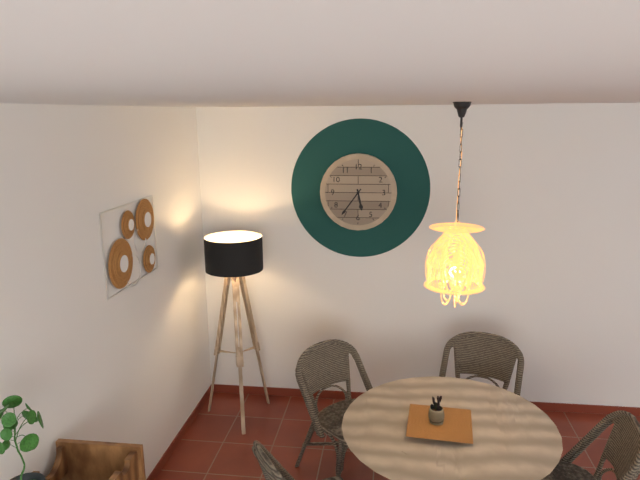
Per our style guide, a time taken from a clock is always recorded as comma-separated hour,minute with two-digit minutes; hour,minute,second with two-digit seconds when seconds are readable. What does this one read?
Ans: 5,36
